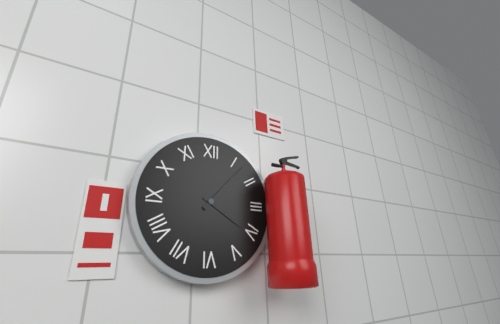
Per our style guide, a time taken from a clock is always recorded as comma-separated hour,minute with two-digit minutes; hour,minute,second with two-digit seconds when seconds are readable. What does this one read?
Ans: 4,07
